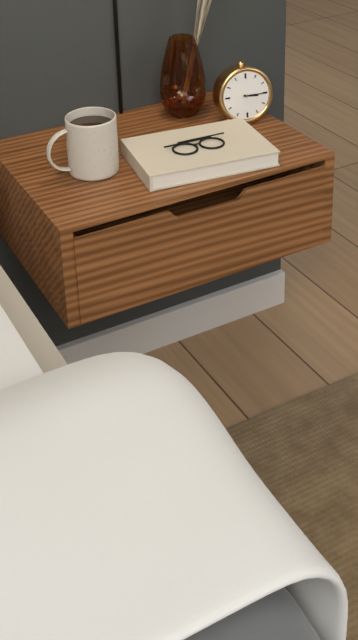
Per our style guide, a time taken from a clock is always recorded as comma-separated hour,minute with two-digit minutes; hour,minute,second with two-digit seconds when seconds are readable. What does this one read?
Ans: 3,15
